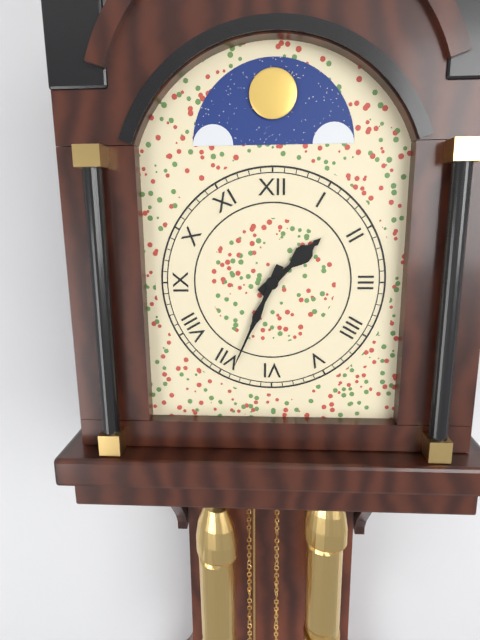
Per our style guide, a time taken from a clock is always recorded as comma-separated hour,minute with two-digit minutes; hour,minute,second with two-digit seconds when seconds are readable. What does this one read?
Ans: 1,34
